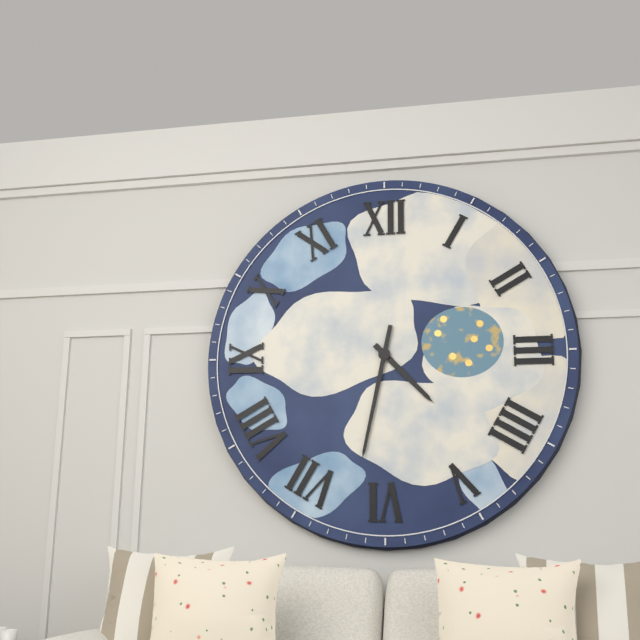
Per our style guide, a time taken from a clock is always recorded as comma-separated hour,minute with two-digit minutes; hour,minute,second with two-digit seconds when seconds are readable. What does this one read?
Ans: 4,32
